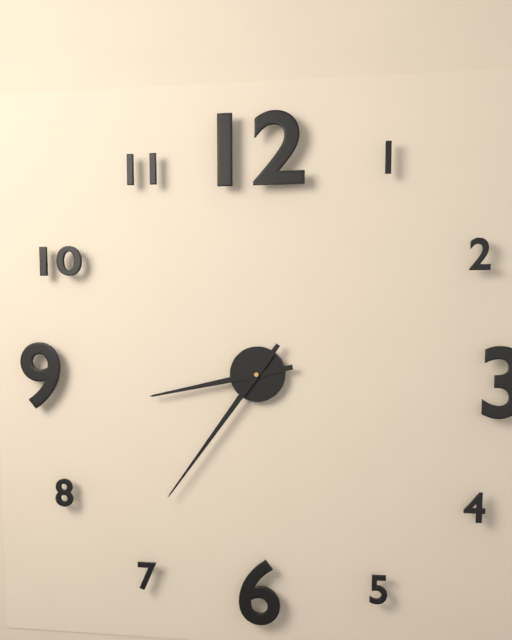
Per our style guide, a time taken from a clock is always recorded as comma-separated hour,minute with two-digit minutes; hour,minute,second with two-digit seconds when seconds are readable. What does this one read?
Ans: 8,36
